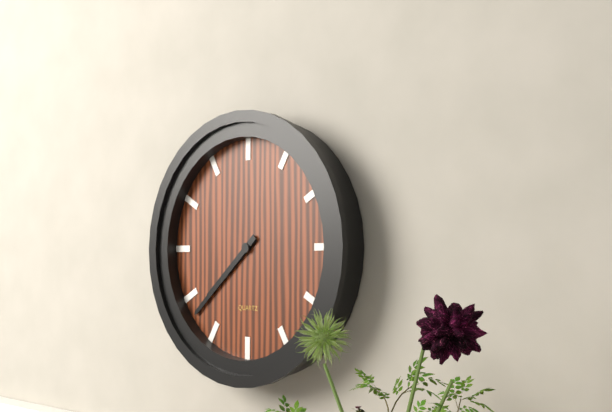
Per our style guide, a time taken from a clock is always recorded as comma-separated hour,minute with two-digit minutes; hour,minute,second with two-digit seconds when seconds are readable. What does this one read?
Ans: 7,38
